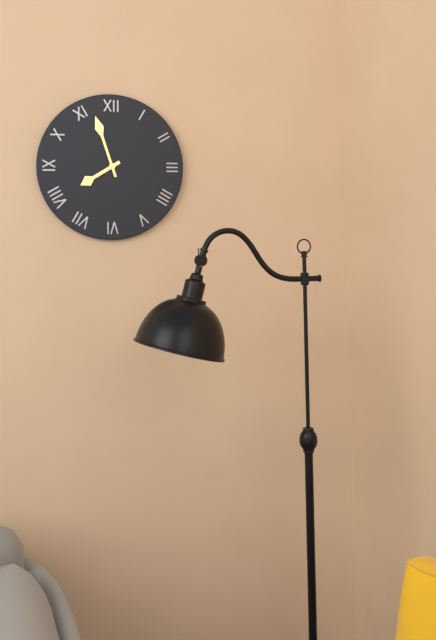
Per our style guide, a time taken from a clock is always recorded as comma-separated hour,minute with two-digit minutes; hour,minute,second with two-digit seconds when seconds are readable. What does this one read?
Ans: 7,57
